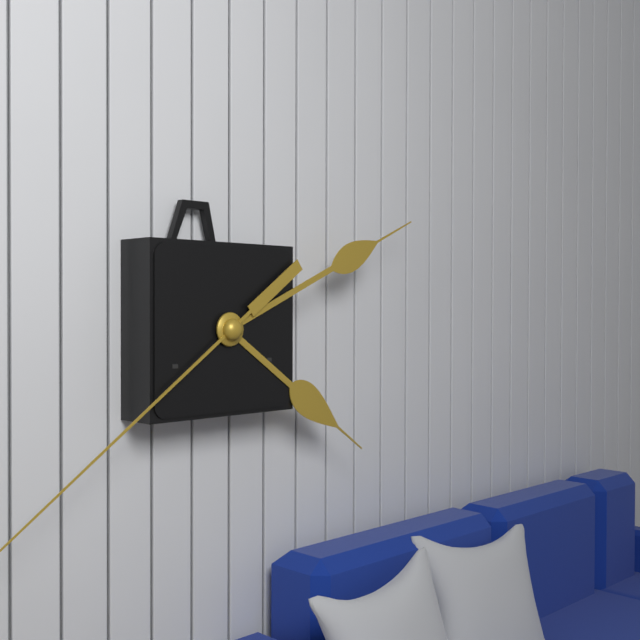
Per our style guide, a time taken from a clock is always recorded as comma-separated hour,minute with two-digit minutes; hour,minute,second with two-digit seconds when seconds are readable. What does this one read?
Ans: 4,11
